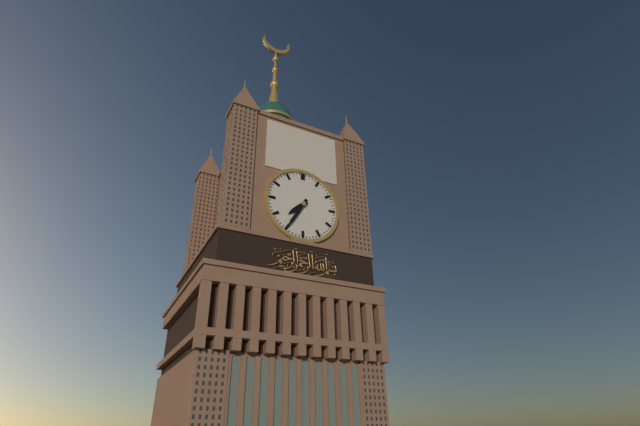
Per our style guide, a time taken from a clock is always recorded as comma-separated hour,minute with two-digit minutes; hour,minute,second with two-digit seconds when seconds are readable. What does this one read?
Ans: 7,35
